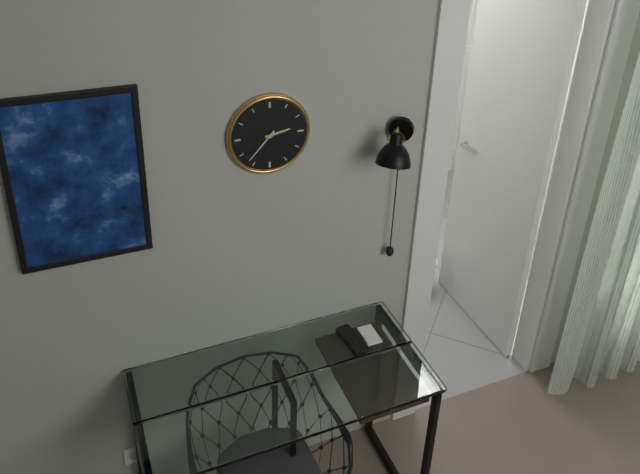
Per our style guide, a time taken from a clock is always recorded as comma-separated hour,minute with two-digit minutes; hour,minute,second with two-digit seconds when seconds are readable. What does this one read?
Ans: 2,37
